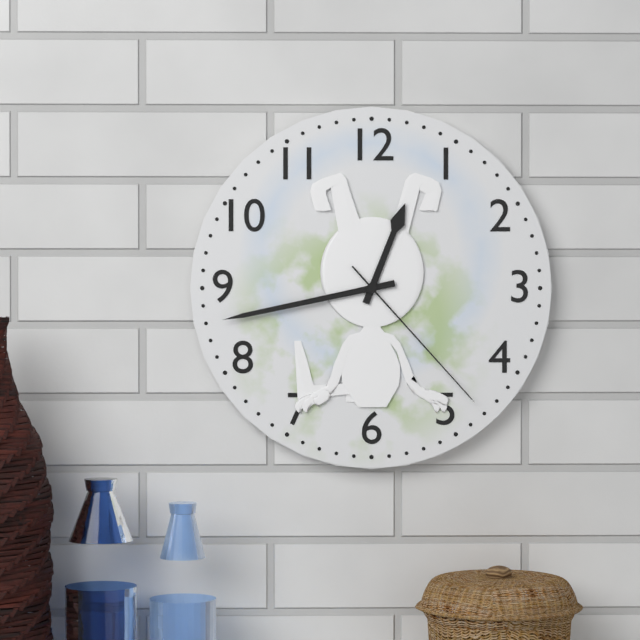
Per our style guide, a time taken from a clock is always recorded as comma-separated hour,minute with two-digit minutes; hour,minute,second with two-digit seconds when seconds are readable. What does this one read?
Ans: 12,43,23
